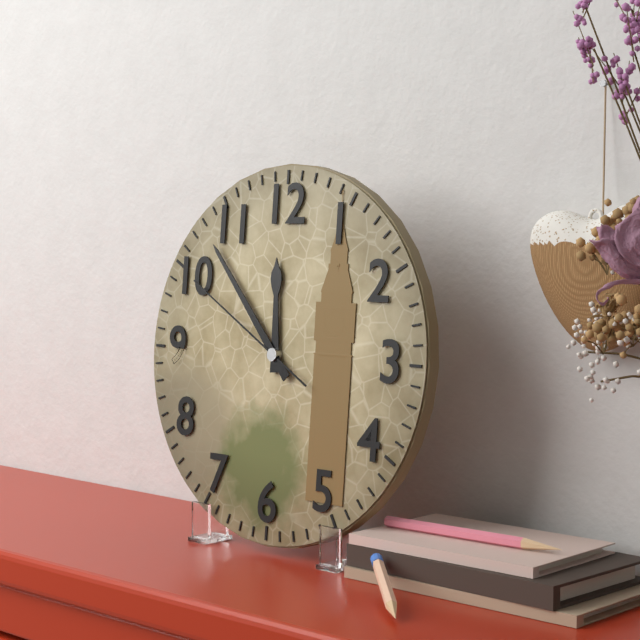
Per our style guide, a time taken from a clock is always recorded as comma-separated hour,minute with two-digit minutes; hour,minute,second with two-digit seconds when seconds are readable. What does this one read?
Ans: 11,53,50
